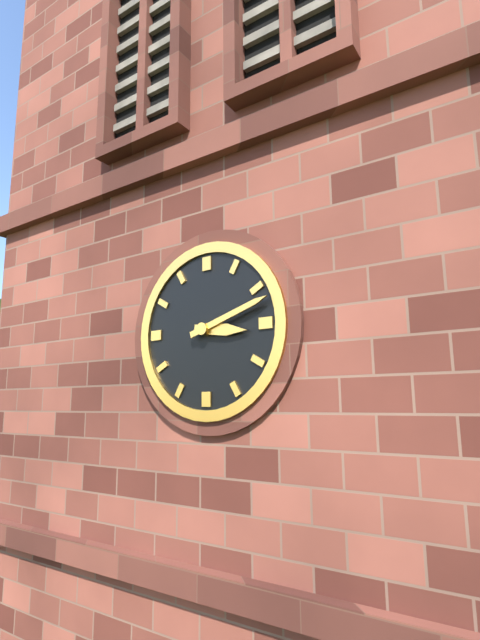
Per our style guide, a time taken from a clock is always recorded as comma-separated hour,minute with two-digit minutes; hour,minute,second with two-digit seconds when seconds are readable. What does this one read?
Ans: 3,12
